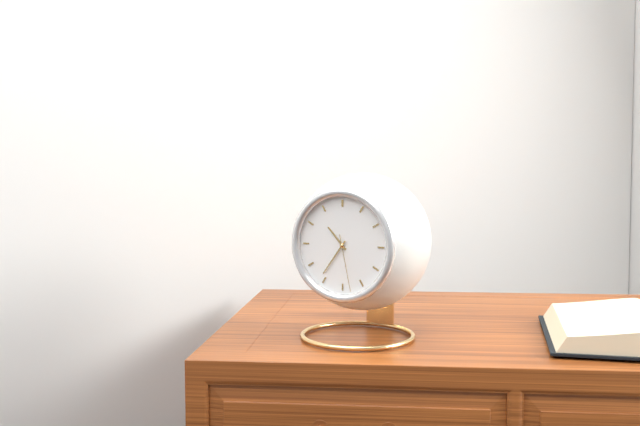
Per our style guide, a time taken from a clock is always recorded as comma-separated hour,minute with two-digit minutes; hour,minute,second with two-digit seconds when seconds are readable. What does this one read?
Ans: 10,36,28
